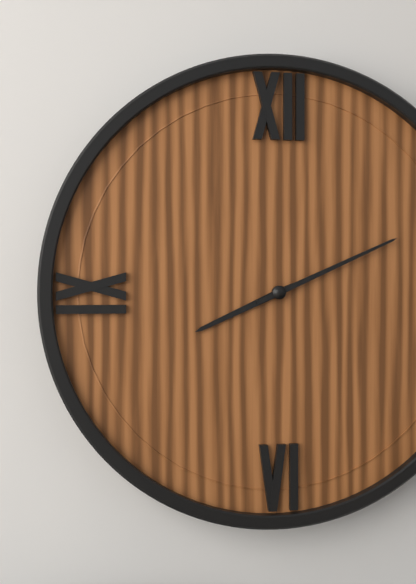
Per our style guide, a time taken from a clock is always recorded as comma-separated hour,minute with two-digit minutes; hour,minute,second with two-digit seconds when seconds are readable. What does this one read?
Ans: 8,11
